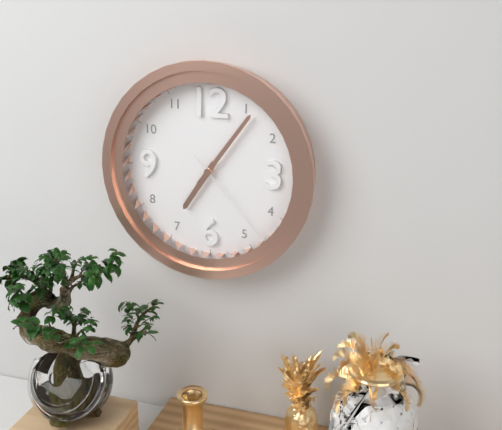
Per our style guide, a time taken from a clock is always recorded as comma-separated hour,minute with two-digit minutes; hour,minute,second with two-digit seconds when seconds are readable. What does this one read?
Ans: 7,06,23
